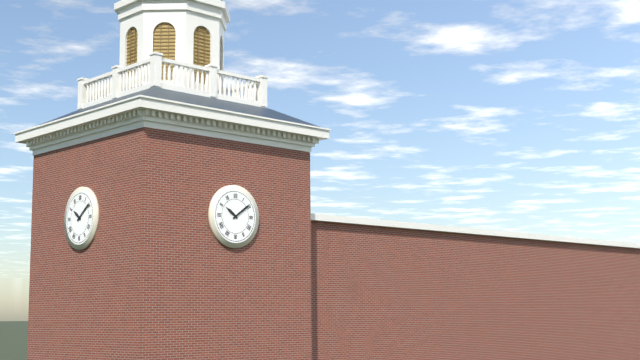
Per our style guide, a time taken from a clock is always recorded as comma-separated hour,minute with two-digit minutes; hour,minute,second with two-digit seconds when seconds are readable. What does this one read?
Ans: 10,09
